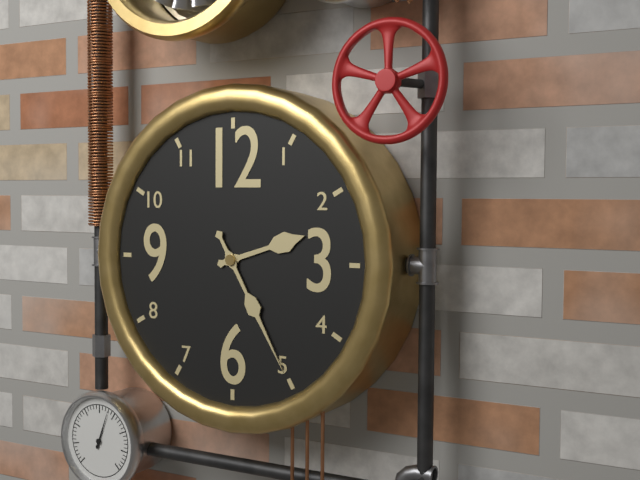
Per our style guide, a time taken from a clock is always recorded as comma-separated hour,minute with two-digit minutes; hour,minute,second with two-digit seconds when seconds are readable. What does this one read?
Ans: 2,25
